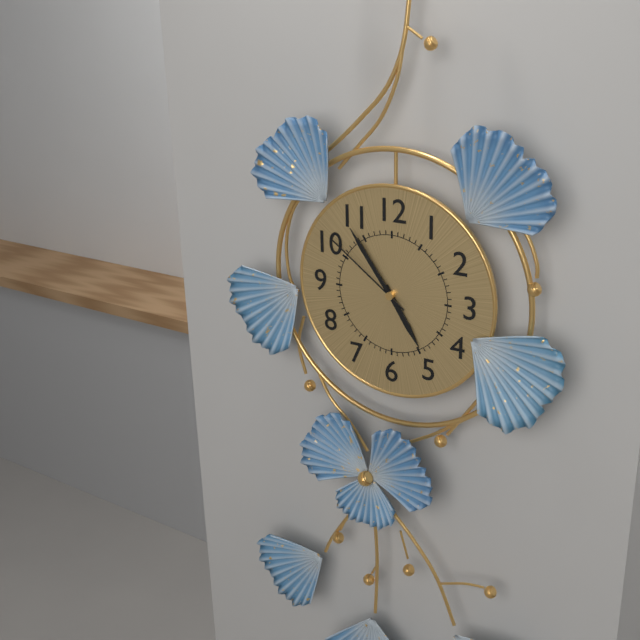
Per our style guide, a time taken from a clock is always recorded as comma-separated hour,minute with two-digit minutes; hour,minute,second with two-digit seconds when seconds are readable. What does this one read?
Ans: 4,54,51
